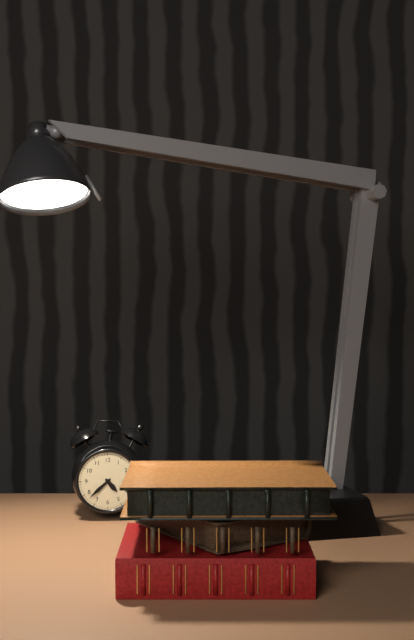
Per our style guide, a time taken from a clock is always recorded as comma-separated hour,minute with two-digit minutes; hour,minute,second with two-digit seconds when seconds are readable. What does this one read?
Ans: 4,38
